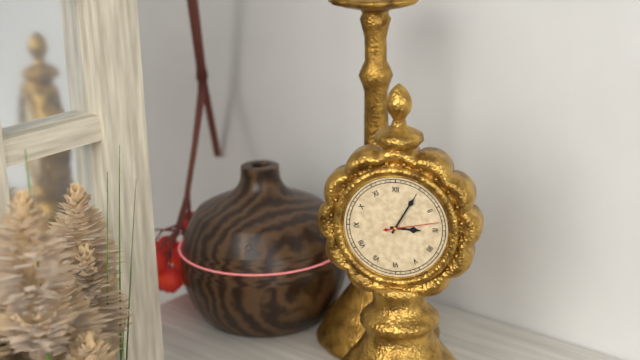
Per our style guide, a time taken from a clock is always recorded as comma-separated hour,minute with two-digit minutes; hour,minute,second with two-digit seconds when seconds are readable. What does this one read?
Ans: 3,05,13
